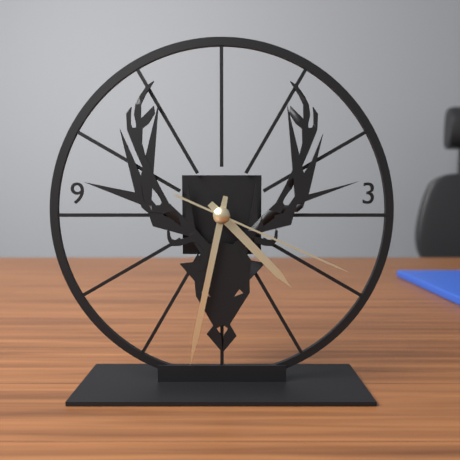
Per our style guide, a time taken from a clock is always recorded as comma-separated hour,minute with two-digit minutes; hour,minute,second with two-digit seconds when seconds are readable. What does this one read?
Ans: 4,32,19
